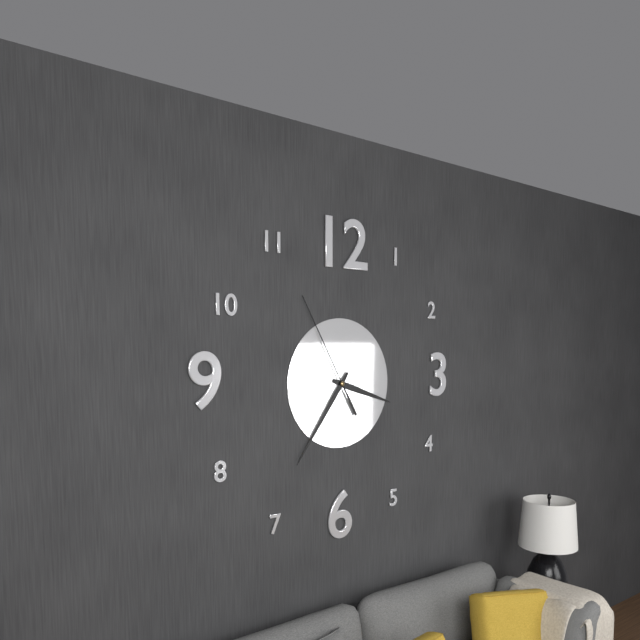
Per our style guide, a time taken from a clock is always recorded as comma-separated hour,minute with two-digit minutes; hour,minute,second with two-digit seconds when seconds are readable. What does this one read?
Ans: 3,36,55
